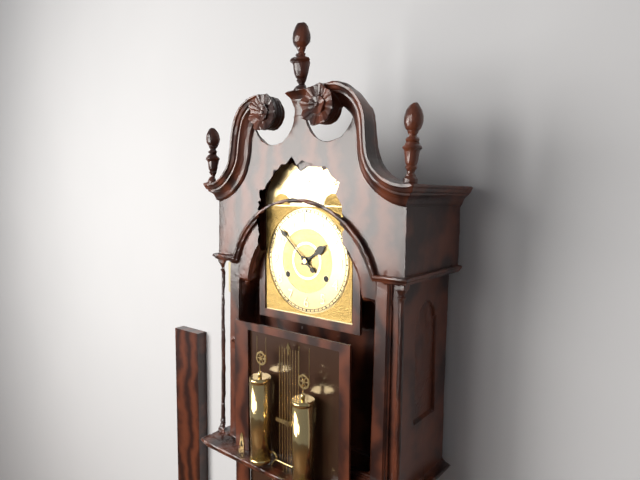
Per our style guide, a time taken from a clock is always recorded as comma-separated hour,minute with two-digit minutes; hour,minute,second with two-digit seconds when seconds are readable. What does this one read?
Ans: 1,52
